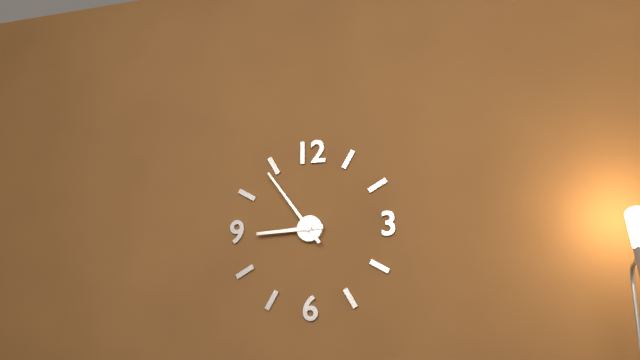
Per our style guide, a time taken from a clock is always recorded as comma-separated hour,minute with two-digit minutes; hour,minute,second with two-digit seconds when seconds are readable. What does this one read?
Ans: 8,54
